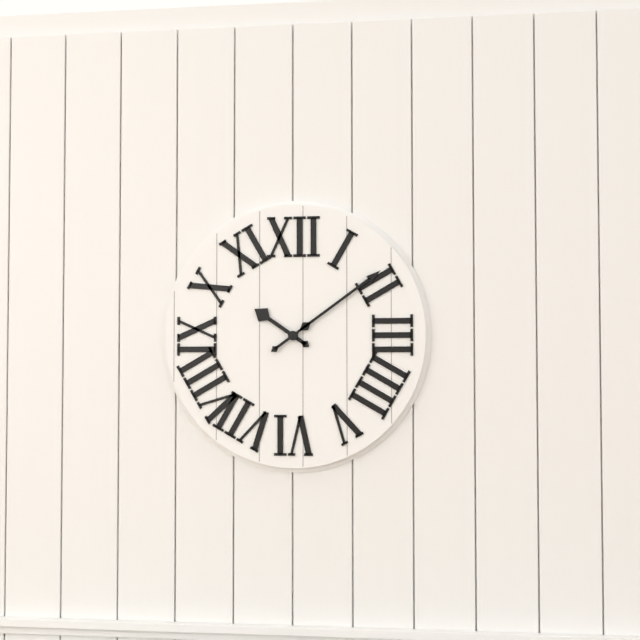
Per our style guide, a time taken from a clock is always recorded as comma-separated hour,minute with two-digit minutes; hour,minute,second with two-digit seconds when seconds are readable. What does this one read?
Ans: 10,09
